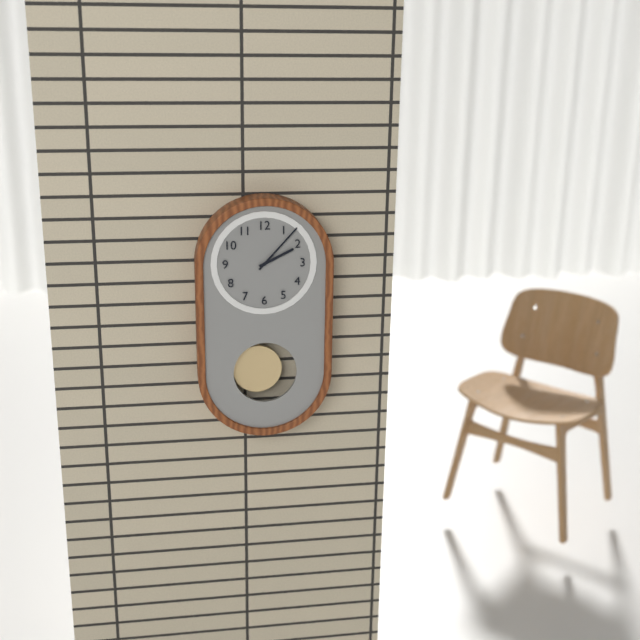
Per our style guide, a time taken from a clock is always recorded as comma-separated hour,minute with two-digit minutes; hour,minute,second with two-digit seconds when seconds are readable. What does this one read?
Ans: 2,07
